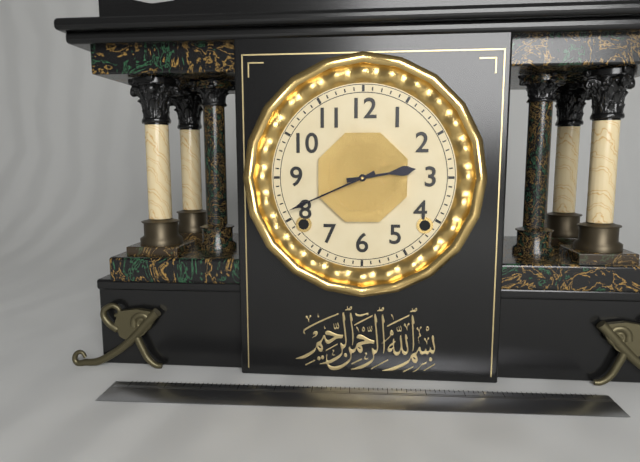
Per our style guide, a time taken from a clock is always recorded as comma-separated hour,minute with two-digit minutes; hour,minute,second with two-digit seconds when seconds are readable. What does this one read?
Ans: 2,41
